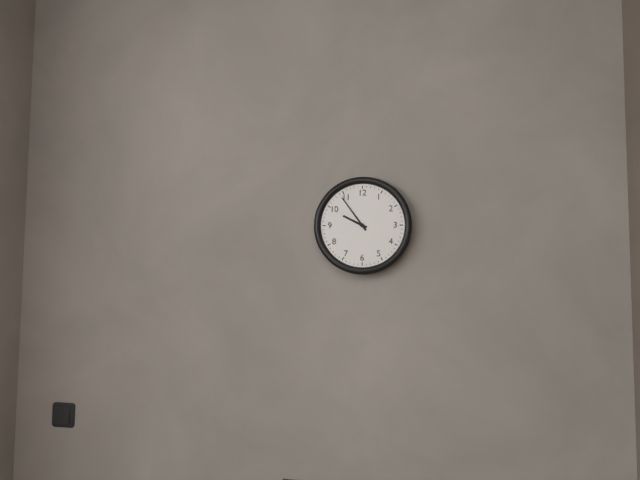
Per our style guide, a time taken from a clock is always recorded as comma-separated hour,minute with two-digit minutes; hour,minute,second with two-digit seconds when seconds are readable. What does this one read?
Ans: 9,54
